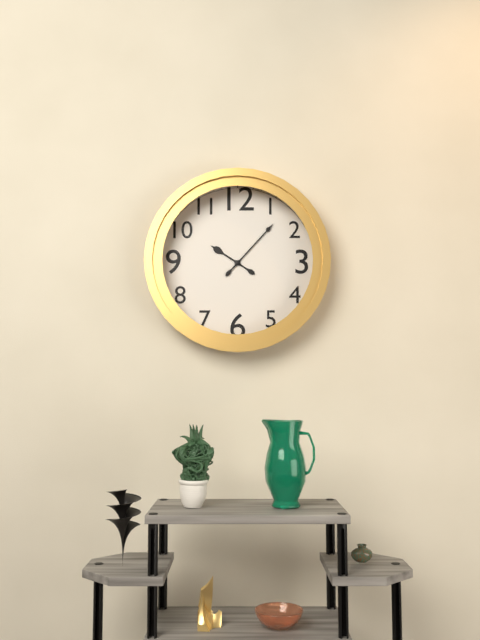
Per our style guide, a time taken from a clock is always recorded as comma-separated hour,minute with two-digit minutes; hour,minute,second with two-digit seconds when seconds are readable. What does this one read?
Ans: 10,07
